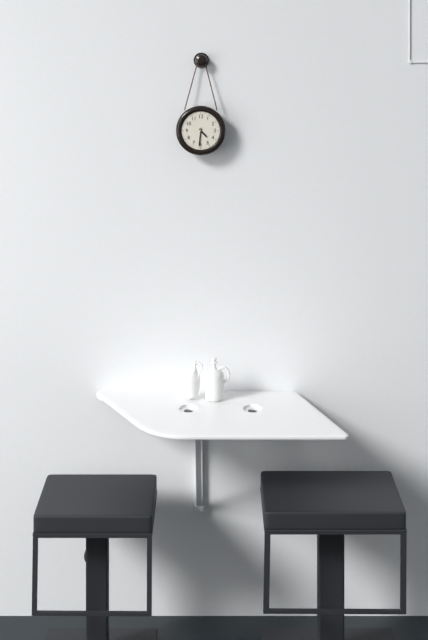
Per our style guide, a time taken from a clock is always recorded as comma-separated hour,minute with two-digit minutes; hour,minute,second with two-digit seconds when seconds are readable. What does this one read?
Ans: 4,31
